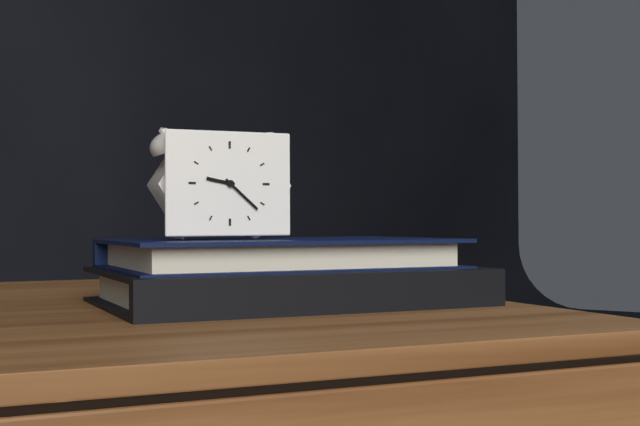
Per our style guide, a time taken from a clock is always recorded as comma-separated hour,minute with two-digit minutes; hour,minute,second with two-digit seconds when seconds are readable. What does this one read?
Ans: 9,22
